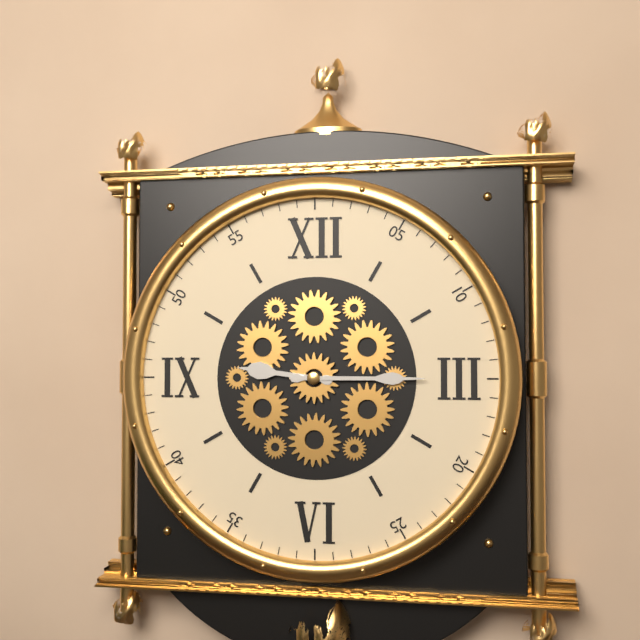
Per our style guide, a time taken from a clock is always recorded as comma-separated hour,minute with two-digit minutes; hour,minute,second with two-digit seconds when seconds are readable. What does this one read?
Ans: 9,15
